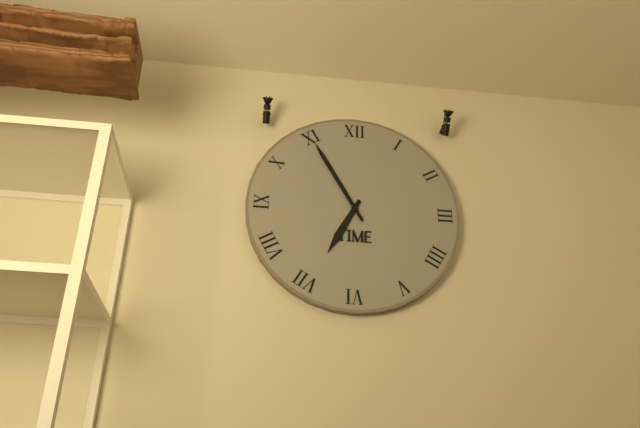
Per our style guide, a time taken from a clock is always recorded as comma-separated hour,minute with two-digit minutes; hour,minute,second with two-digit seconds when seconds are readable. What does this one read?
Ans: 6,55
